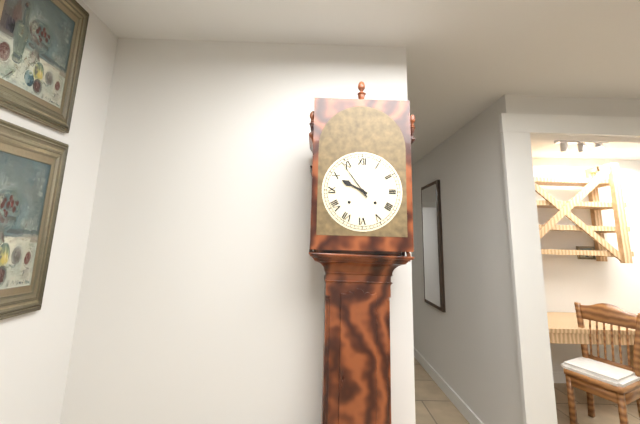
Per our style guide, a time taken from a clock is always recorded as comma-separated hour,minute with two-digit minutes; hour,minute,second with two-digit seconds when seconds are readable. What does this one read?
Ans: 9,54
